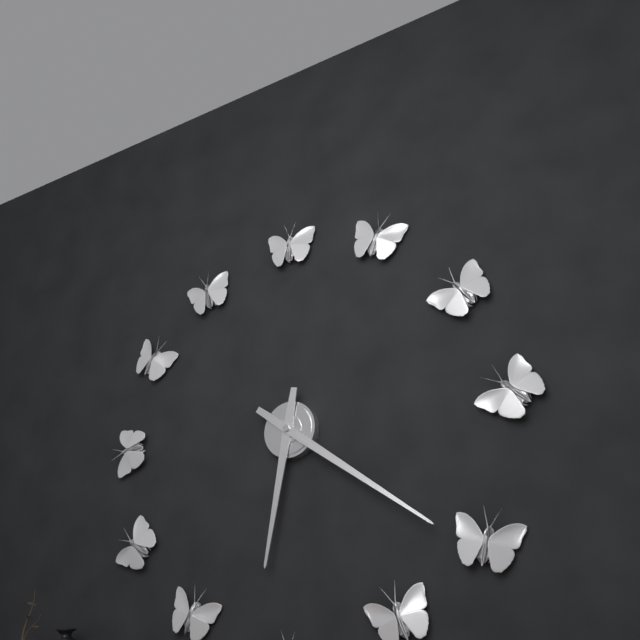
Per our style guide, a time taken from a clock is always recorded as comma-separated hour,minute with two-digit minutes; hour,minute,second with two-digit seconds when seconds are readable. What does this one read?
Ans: 6,21
